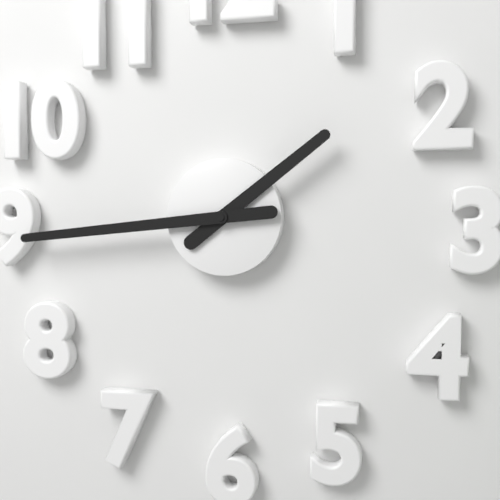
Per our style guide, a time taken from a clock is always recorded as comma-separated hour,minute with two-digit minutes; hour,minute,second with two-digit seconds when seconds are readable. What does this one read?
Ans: 1,44
